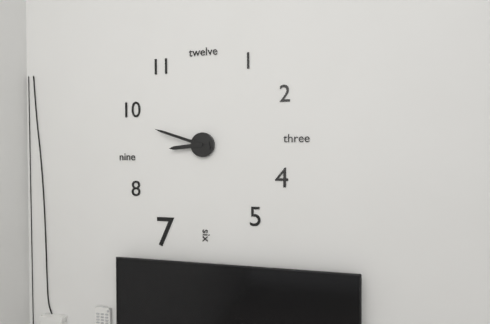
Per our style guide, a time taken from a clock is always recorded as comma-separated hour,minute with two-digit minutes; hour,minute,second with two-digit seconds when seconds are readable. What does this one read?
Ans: 8,48
